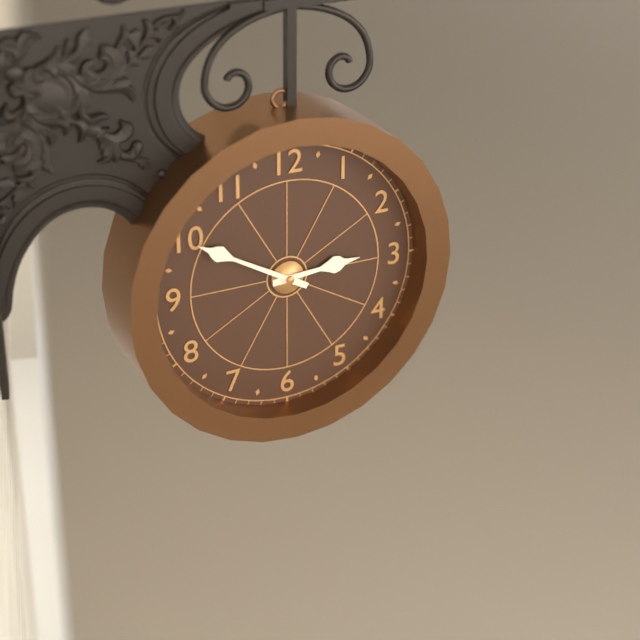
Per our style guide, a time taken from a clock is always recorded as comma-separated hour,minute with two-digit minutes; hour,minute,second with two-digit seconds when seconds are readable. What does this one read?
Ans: 2,50
